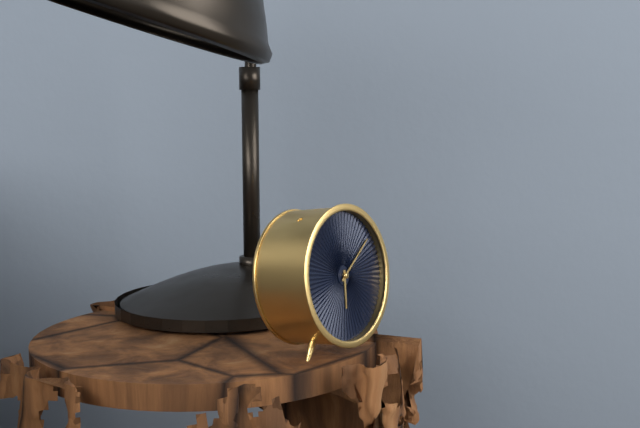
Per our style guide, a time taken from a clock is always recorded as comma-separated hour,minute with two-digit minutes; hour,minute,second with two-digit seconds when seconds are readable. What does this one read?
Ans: 6,09
